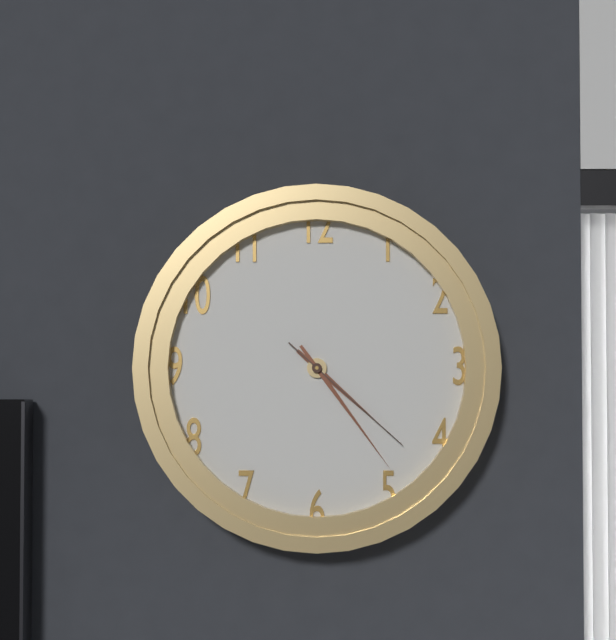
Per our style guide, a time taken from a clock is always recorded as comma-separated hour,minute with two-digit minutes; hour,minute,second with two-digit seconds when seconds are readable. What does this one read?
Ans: 4,24,22
